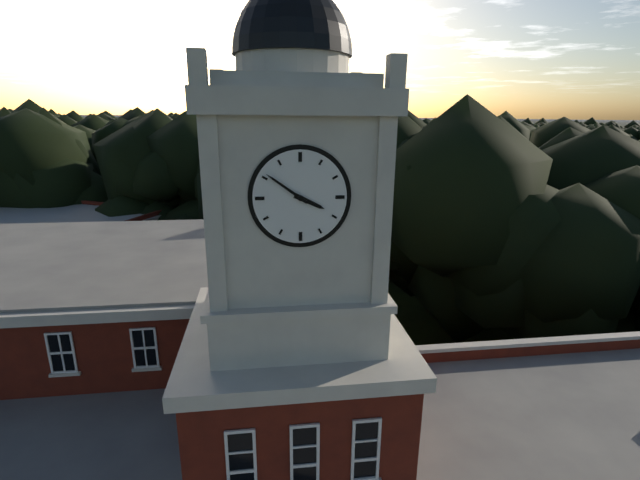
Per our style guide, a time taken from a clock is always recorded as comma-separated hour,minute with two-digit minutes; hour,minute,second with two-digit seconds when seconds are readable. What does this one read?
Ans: 3,51
